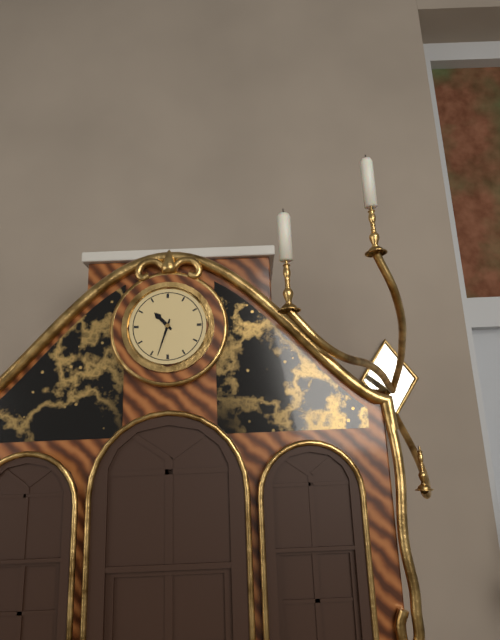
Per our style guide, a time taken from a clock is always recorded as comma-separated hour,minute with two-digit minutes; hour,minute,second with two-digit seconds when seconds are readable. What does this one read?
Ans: 10,33
